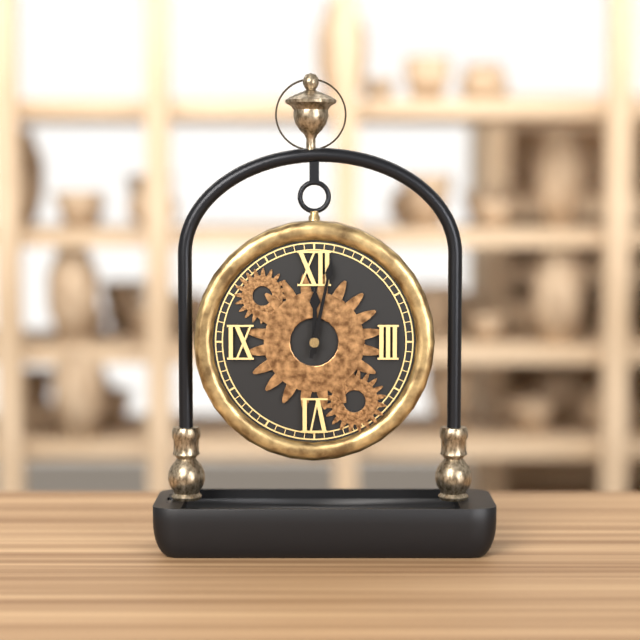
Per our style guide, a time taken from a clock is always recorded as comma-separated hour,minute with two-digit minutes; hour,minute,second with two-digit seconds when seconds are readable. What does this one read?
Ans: 12,02
